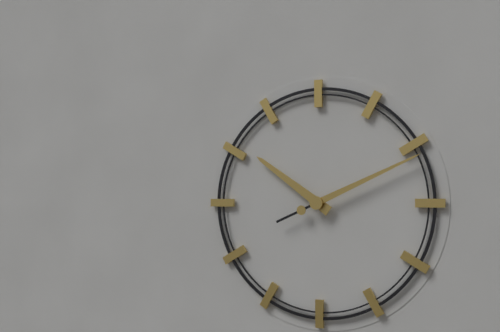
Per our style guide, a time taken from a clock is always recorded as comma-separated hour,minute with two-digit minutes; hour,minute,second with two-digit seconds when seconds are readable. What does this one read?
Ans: 10,11
